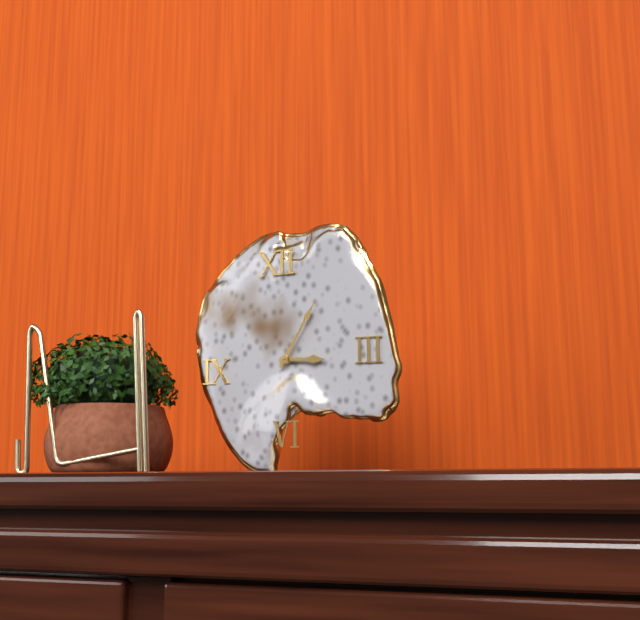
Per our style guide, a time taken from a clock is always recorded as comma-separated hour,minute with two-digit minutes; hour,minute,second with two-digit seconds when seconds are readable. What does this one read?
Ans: 3,05
